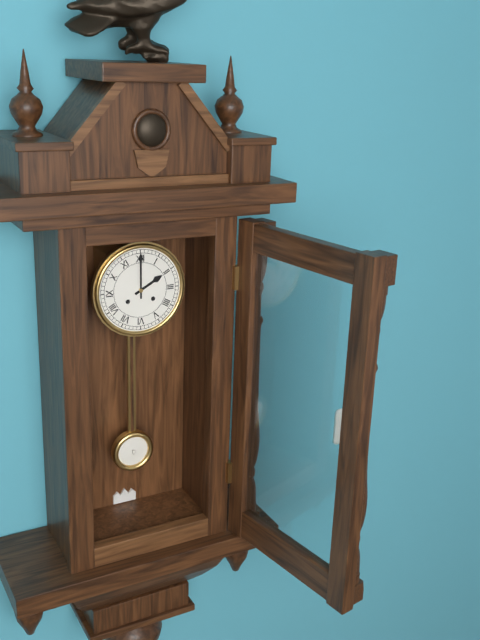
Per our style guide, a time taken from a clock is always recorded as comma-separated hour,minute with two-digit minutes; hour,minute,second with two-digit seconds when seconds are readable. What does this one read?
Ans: 2,00
